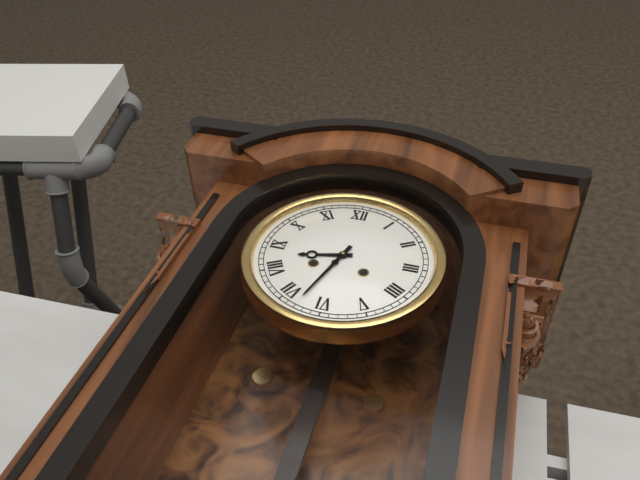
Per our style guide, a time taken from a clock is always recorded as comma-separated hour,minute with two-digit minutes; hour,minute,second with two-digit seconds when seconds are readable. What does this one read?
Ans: 8,33
